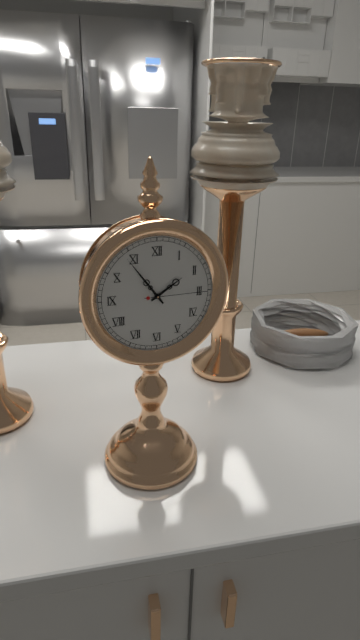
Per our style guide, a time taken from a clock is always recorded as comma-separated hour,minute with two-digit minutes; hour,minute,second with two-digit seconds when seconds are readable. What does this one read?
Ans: 1,54,15
